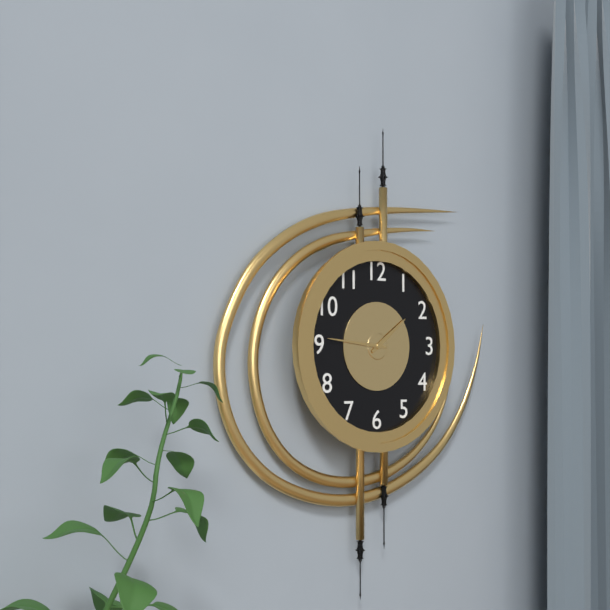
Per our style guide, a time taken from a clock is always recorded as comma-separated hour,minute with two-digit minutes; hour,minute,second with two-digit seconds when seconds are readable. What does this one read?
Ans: 1,46
